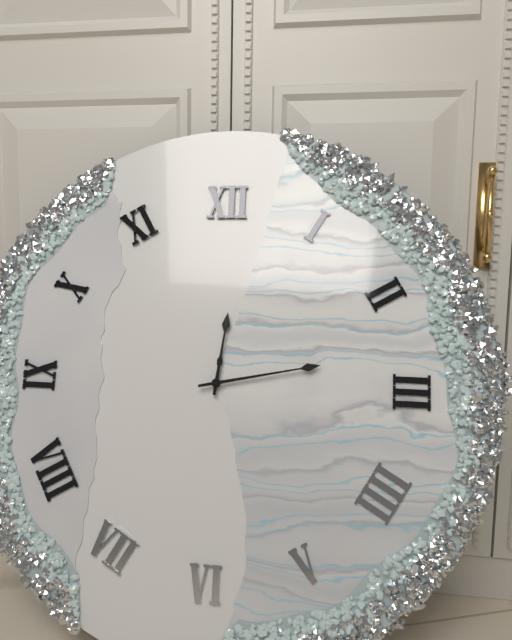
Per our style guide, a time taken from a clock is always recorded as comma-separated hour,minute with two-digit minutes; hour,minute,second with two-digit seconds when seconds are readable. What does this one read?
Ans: 12,13
